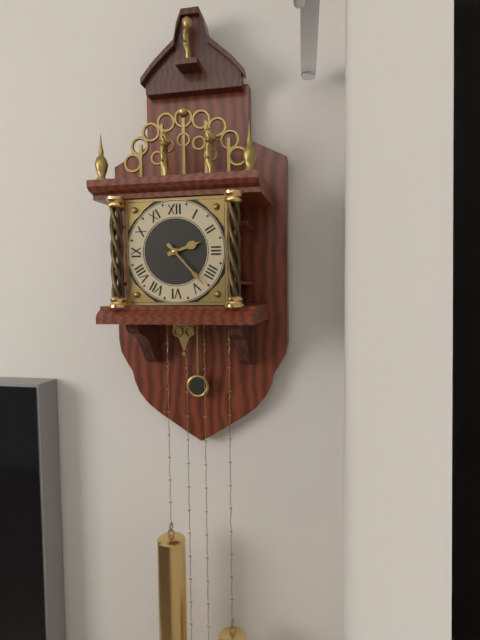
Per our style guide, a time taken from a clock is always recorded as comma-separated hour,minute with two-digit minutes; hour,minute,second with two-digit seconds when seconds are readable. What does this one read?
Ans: 2,23
